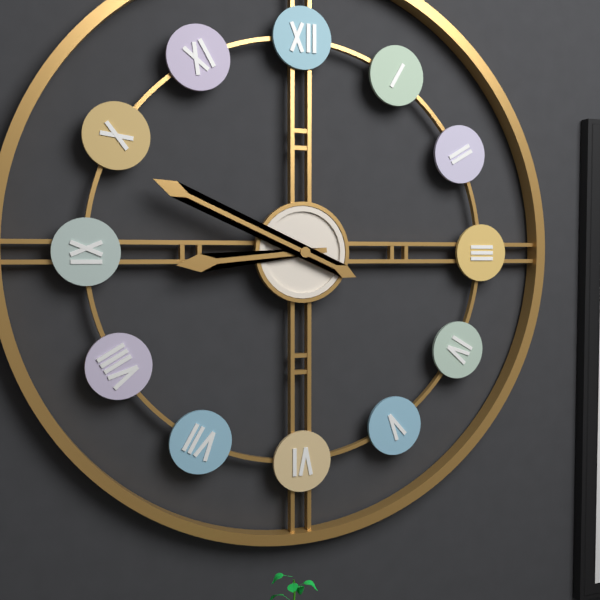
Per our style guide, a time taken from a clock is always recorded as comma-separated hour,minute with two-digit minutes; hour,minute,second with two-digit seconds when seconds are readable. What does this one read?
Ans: 8,49
